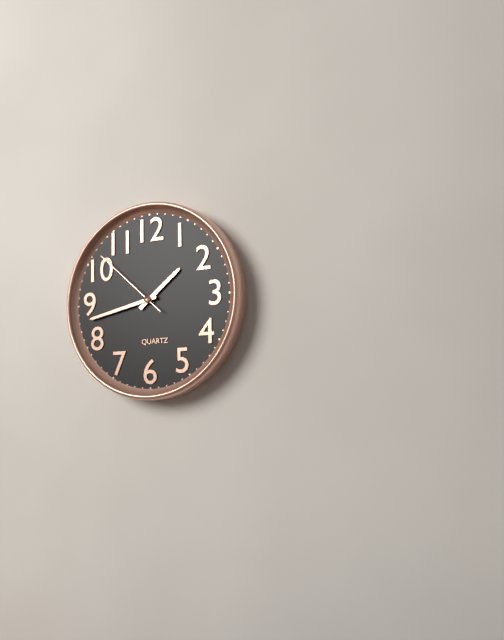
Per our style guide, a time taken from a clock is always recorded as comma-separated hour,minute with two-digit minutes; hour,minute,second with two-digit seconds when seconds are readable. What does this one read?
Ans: 1,43,52
